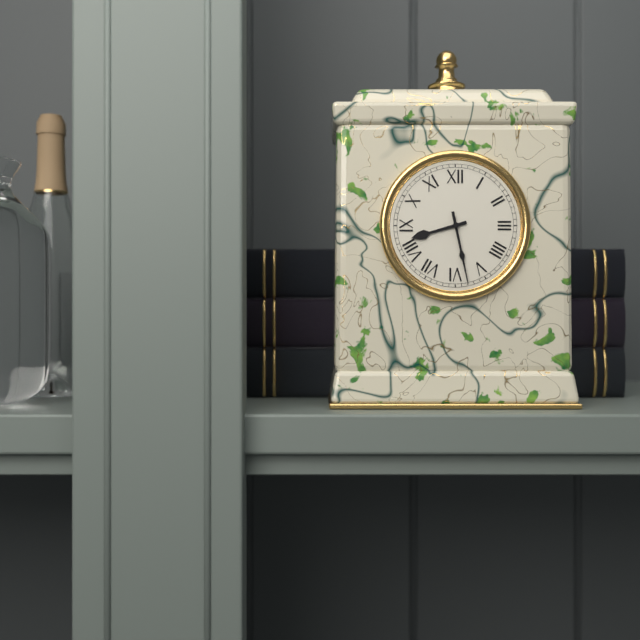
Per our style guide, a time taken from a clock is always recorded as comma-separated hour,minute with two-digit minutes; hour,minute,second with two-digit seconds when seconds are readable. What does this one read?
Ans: 8,28
